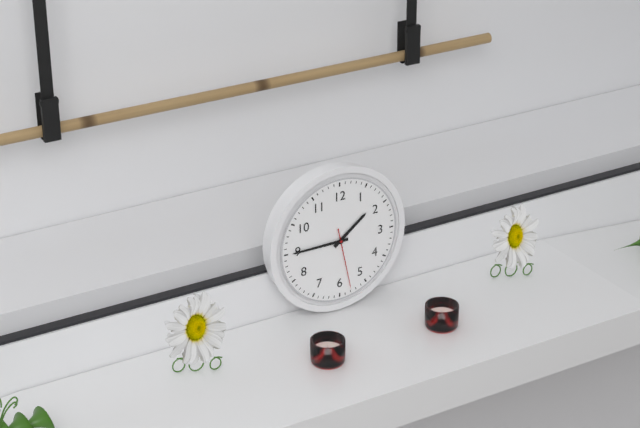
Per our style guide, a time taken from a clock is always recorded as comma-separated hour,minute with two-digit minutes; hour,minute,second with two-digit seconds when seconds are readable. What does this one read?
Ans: 1,45,28
